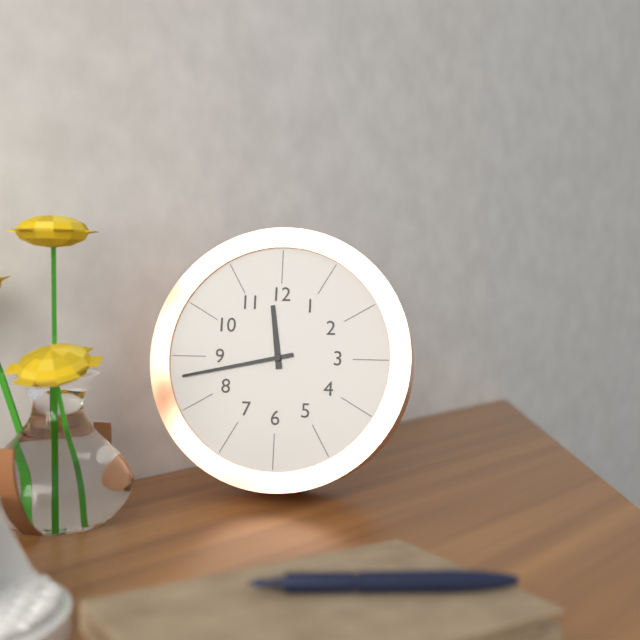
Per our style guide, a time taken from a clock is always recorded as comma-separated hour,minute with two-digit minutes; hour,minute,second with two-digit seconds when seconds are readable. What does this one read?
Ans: 11,43
